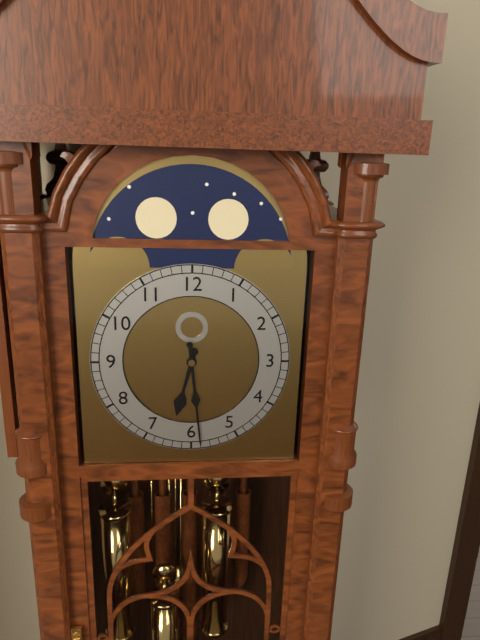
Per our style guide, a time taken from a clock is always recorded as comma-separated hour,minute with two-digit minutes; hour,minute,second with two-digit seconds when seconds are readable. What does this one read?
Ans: 6,29
